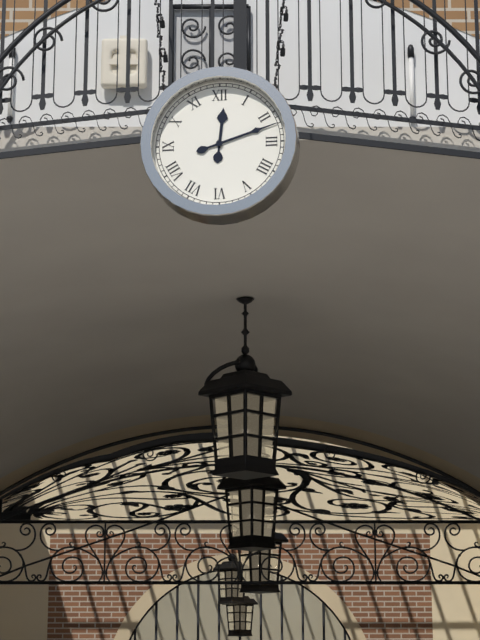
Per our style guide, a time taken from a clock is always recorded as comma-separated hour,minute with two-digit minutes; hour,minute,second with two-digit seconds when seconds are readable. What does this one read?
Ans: 12,12
